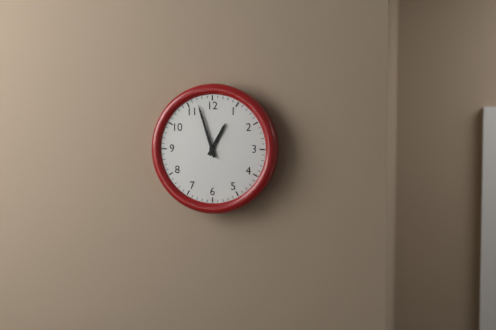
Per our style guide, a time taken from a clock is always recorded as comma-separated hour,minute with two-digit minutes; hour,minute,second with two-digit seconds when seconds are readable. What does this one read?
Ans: 12,57
